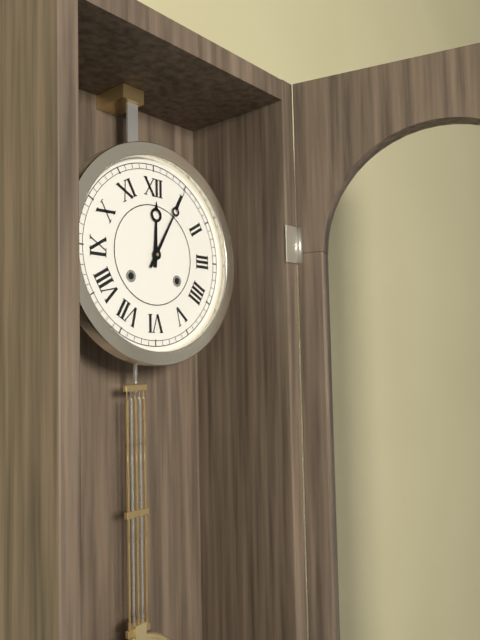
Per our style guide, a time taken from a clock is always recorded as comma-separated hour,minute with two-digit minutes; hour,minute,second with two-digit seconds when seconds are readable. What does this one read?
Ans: 12,05
